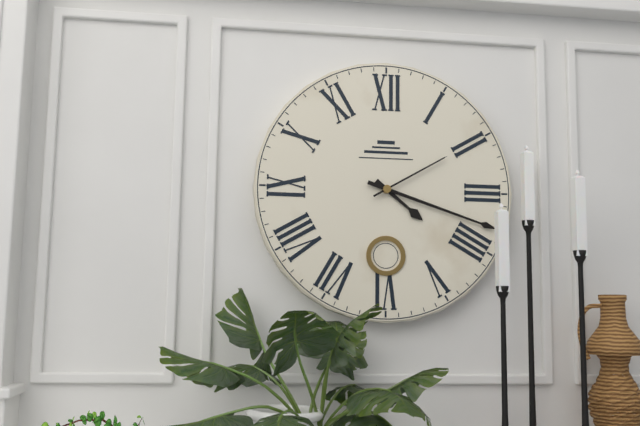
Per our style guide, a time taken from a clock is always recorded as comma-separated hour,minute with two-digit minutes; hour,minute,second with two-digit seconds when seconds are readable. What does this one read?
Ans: 4,18,10
